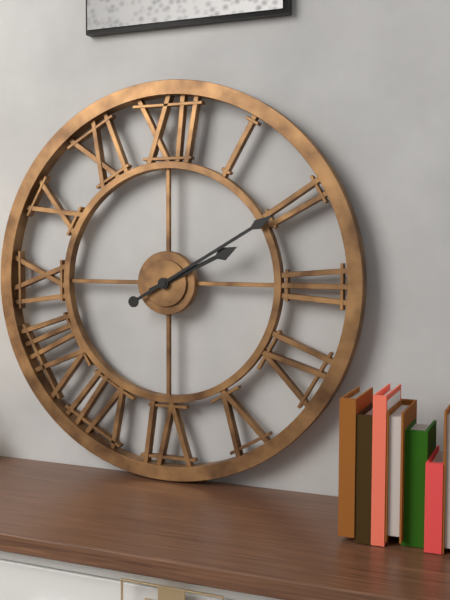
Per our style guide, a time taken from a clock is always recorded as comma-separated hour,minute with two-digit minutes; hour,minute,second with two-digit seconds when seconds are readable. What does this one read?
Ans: 2,10
